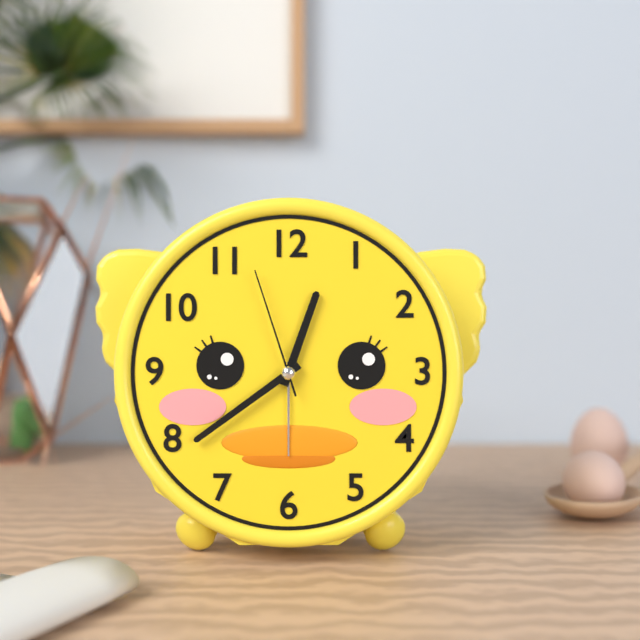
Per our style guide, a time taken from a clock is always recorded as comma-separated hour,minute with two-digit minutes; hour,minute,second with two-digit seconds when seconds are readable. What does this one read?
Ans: 12,39,57
